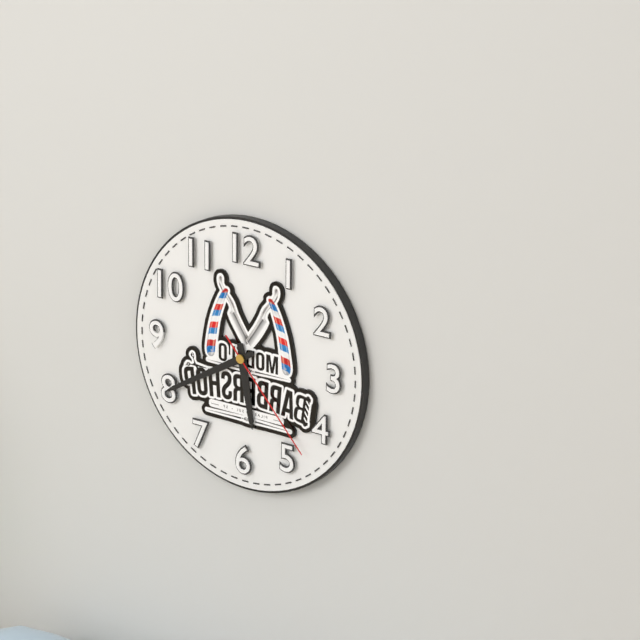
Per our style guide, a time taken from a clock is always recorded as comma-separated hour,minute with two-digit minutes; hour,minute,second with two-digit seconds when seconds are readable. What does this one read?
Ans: 5,40,23
